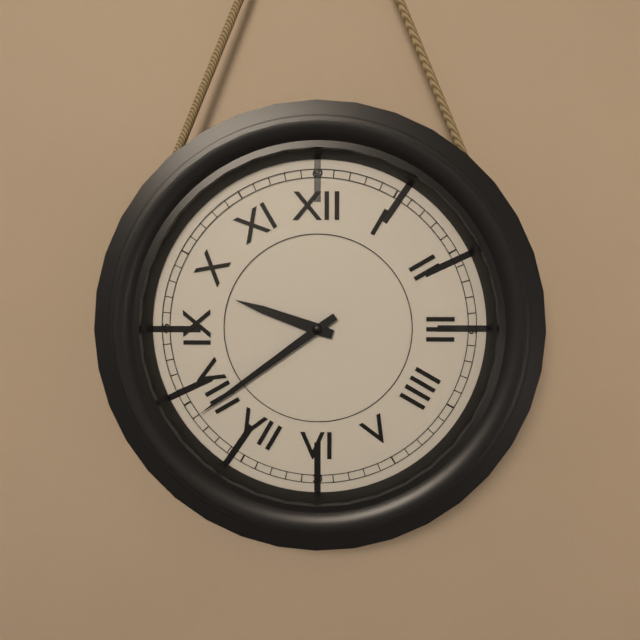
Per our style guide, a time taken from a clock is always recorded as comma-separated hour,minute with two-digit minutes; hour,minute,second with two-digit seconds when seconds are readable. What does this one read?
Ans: 9,39
